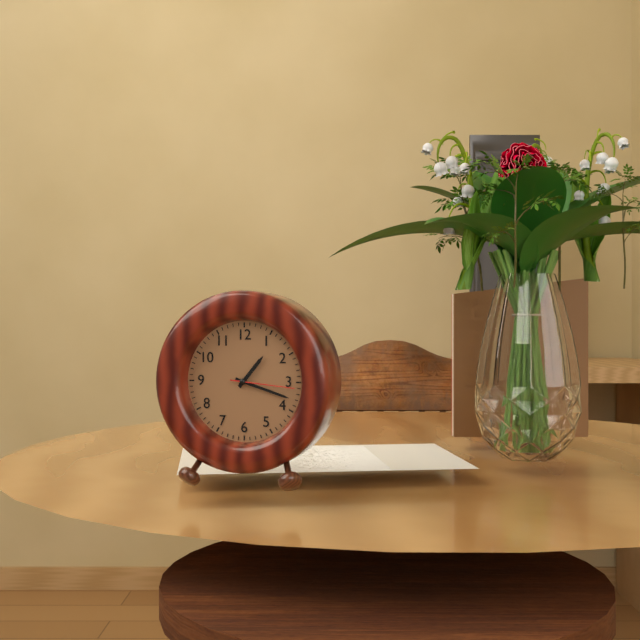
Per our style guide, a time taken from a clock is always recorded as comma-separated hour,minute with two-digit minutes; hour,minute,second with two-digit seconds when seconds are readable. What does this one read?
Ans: 1,18,16
